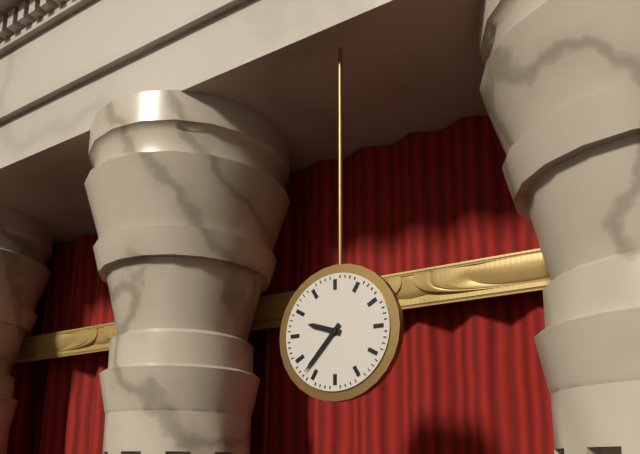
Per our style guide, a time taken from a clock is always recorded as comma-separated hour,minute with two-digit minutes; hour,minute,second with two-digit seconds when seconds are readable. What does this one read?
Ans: 9,37
